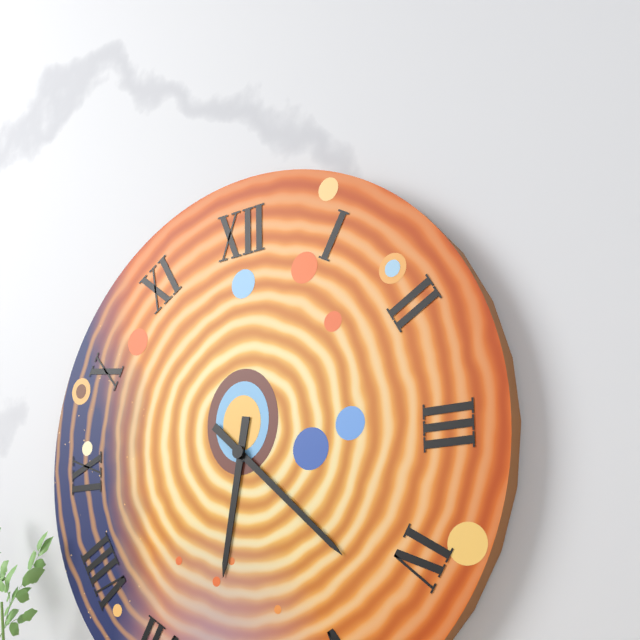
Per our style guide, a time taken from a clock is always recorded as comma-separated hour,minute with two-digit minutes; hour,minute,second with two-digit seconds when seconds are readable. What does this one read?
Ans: 6,22
